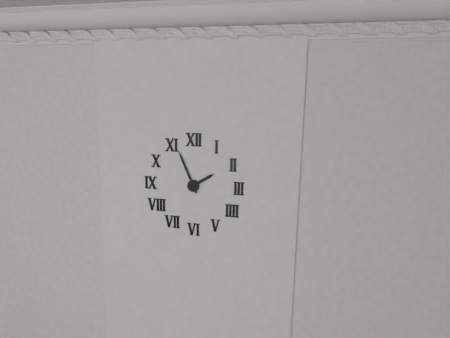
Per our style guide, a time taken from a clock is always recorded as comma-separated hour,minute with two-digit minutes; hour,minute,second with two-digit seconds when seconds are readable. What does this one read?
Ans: 1,56
